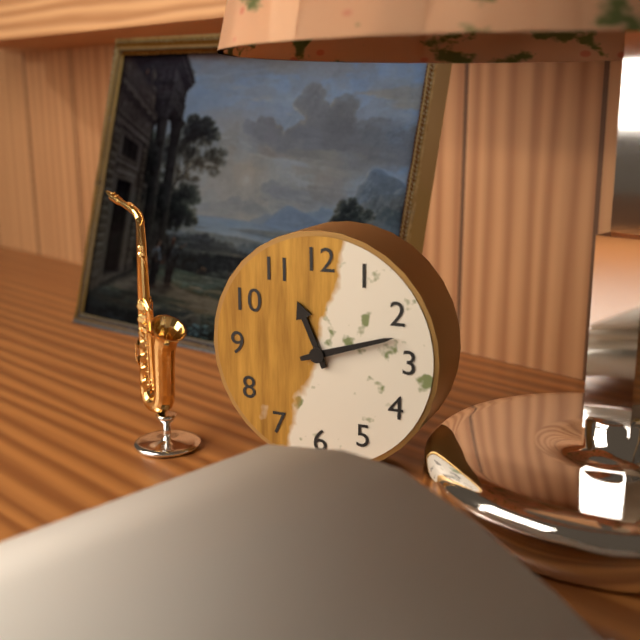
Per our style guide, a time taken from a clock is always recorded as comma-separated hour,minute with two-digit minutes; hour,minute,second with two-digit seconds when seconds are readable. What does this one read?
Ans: 11,12
